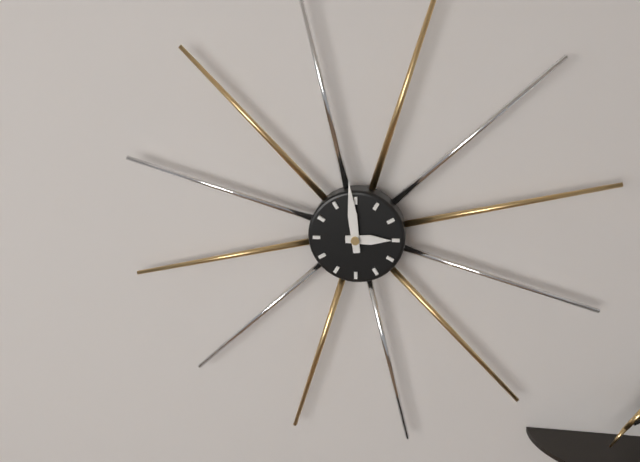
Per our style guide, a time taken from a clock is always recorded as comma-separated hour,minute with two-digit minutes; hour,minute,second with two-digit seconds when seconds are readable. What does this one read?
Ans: 2,59
